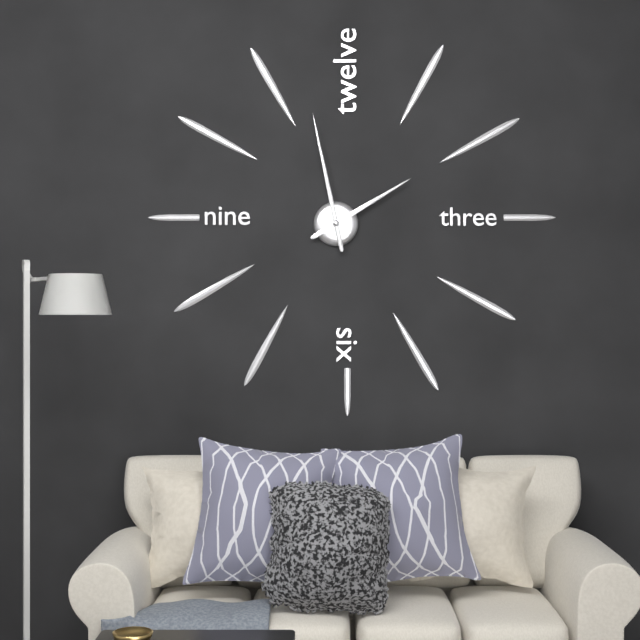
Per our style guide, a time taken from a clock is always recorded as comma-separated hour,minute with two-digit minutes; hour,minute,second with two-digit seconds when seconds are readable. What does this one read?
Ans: 1,58
